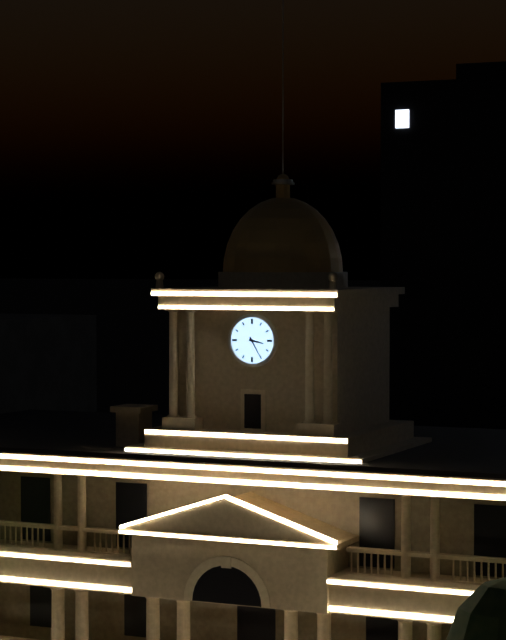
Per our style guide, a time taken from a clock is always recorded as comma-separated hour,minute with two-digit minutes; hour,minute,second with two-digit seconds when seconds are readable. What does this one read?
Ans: 3,25
